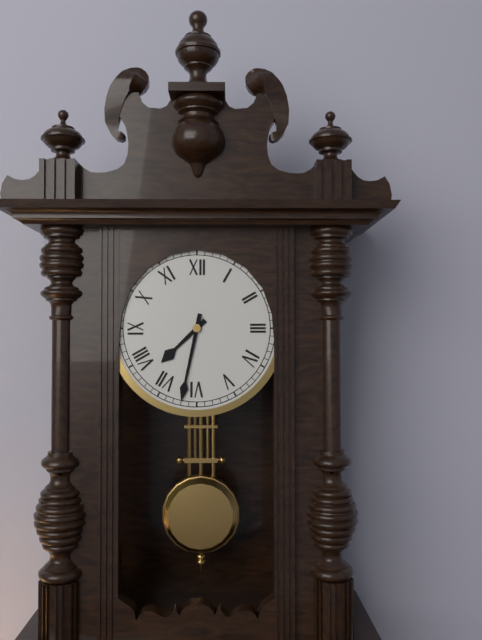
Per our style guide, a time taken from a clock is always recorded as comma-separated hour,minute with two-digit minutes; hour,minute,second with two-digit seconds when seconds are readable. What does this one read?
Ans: 7,32
